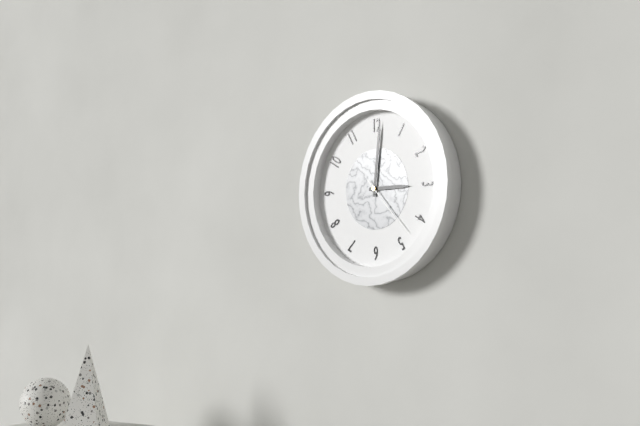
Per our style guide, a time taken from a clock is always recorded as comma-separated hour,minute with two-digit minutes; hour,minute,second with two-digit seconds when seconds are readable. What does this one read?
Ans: 3,01,23
